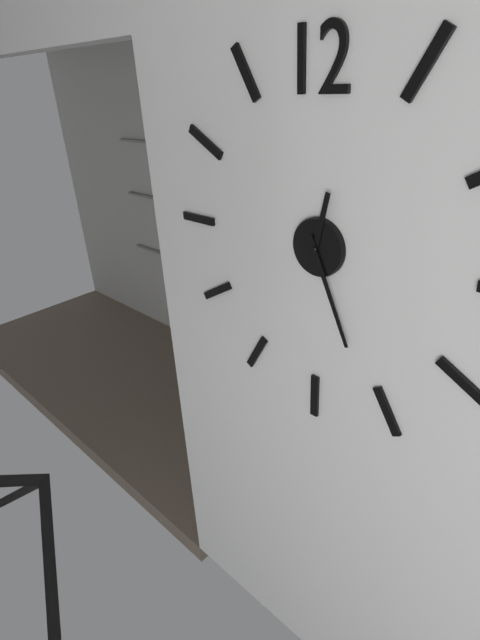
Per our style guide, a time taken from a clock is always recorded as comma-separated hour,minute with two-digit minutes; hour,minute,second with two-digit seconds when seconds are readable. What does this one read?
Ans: 12,26
